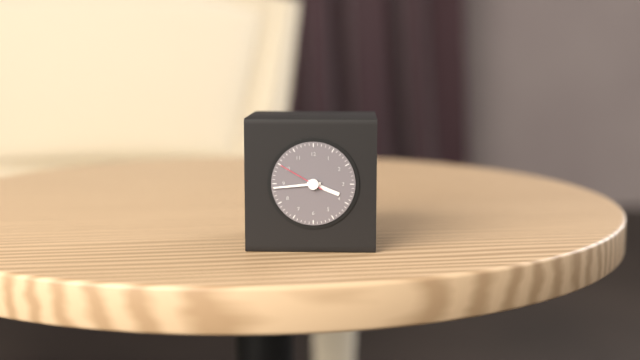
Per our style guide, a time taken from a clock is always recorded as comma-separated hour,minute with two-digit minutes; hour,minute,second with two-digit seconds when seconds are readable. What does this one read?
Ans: 3,44
